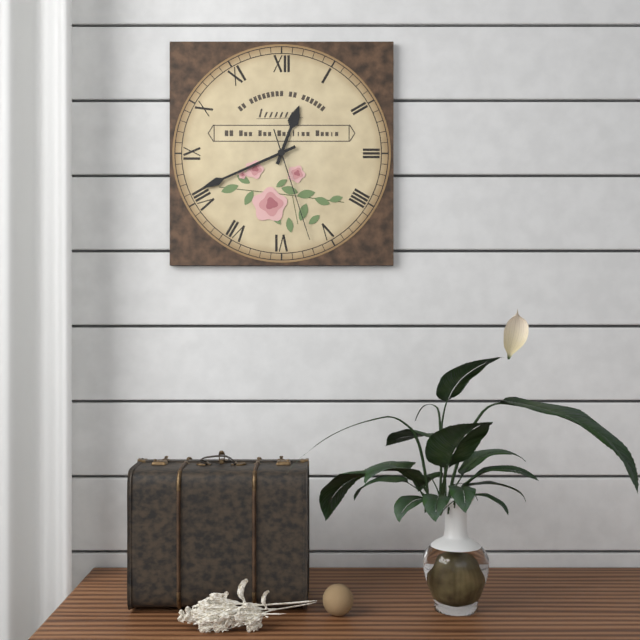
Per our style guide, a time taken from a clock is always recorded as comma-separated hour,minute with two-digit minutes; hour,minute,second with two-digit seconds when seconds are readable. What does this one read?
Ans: 12,41,27
